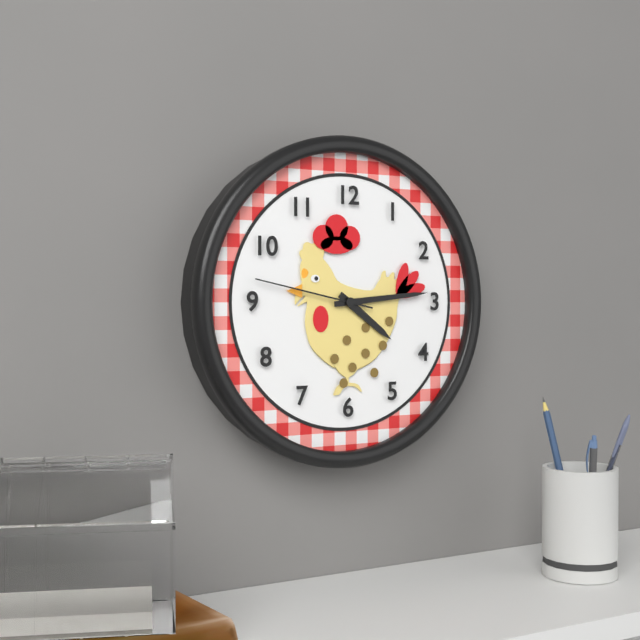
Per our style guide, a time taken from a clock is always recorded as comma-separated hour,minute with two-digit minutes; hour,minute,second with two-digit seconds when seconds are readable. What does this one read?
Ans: 4,14,47
